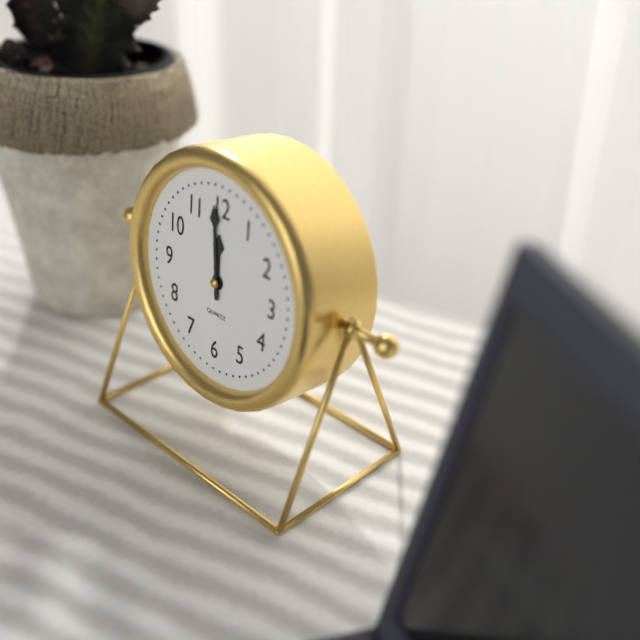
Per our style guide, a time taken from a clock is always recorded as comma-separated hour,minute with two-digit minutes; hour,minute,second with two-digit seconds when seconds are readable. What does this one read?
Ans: 11,59
